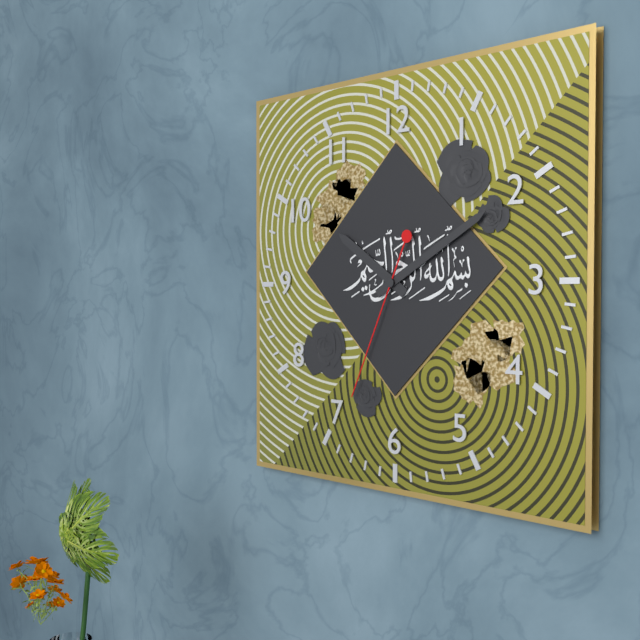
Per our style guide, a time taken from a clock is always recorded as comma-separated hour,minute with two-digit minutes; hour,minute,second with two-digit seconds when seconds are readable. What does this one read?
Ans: 10,10,34
